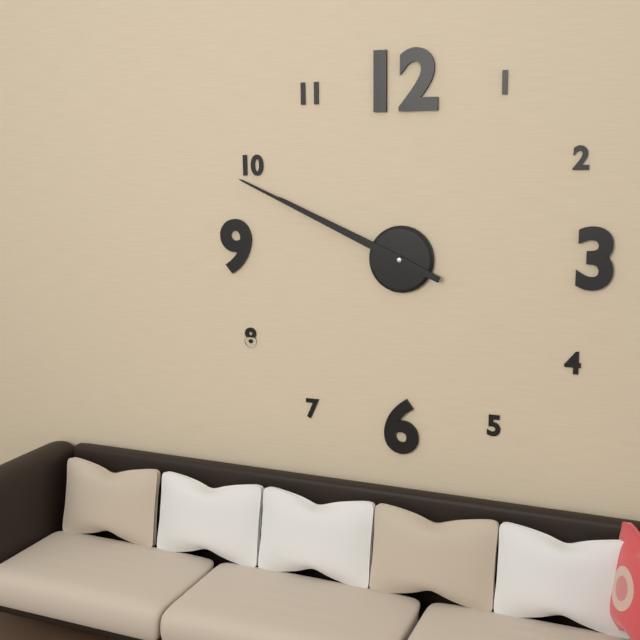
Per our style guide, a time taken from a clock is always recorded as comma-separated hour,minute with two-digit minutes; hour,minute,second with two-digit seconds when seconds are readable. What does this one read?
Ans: 9,49
